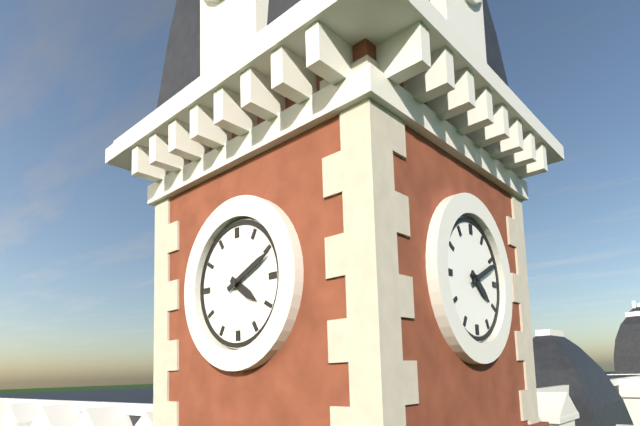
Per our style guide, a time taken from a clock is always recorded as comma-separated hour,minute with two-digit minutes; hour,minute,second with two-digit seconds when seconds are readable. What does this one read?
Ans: 4,11
